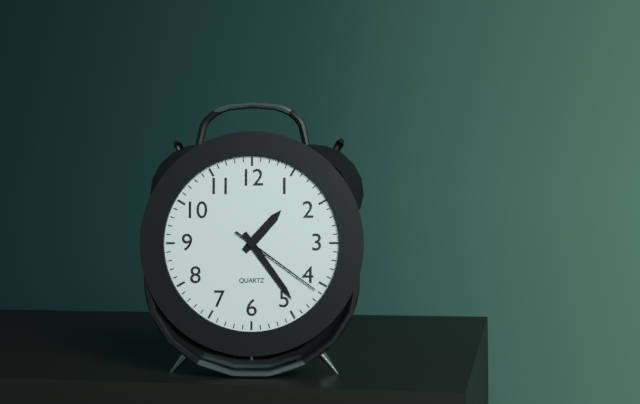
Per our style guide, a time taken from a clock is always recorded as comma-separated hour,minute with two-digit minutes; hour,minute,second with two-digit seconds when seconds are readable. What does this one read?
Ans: 1,24,21
